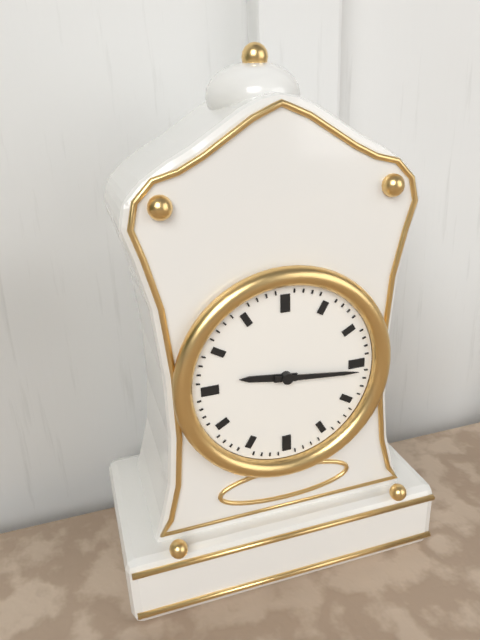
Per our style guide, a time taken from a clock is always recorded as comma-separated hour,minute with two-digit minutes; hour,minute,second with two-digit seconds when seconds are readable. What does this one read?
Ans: 9,16
